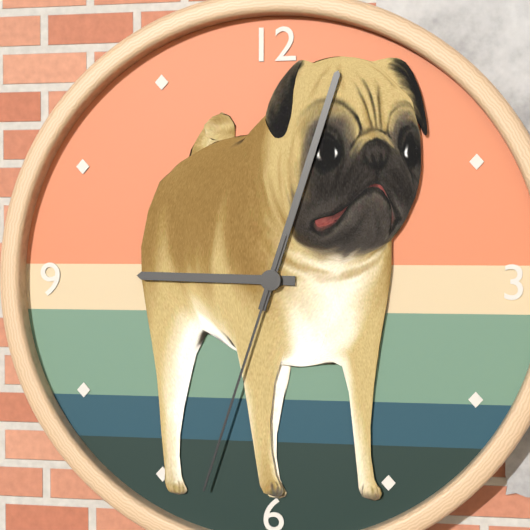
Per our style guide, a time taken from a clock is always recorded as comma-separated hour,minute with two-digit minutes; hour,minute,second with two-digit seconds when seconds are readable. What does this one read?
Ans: 9,03,33
